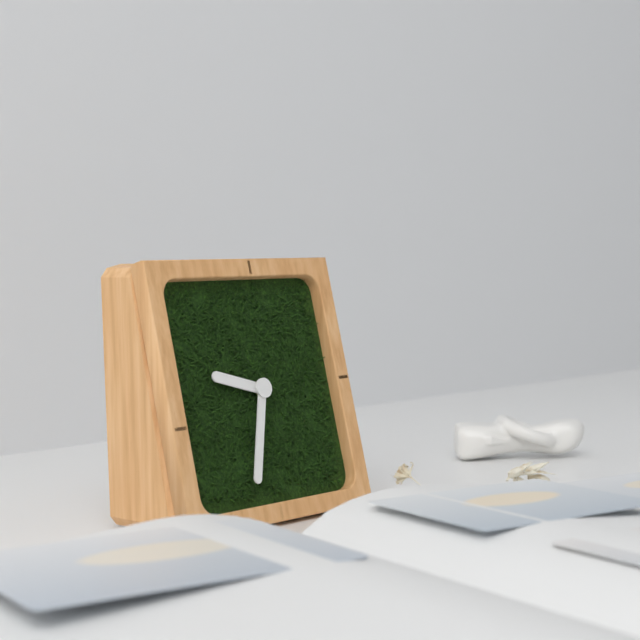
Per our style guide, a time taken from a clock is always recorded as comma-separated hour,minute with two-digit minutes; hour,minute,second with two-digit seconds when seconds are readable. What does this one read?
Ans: 9,33
